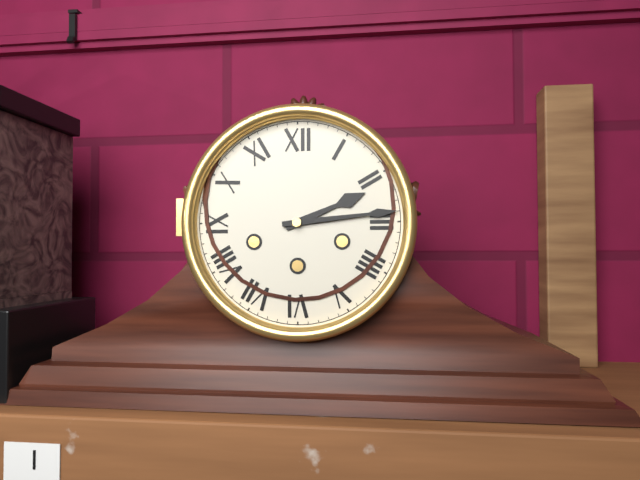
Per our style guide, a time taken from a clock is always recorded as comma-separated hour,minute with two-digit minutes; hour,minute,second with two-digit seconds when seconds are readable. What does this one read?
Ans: 2,14
